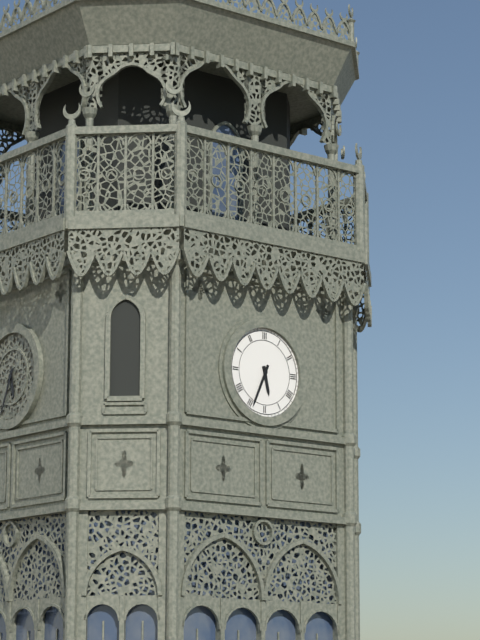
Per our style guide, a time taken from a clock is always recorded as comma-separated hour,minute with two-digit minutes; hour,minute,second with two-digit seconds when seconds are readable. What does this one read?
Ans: 5,34
